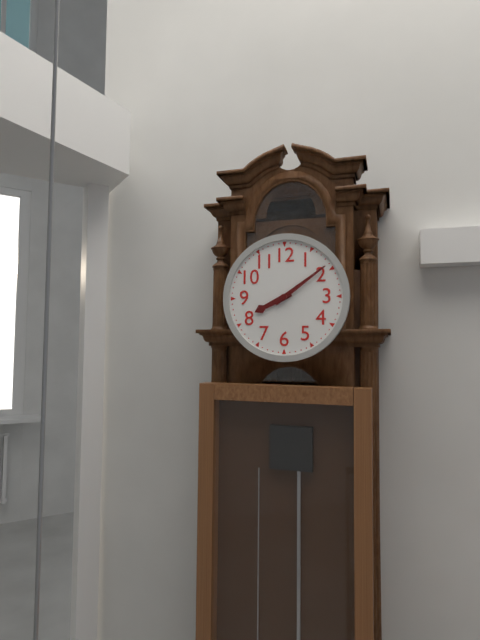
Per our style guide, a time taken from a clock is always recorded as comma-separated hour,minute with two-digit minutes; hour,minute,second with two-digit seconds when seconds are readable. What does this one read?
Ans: 8,09
